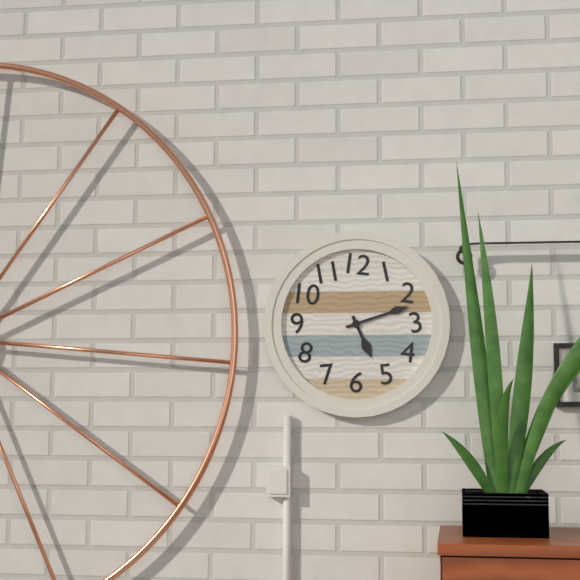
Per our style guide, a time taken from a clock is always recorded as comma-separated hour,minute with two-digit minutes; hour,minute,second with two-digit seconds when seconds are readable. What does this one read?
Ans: 5,12
